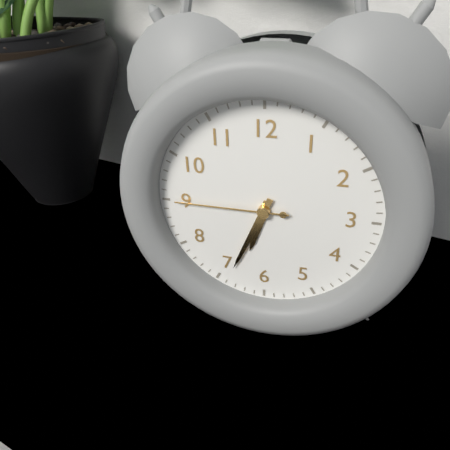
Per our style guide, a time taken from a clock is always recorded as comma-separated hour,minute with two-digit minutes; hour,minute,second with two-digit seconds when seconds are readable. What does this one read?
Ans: 6,34,45
